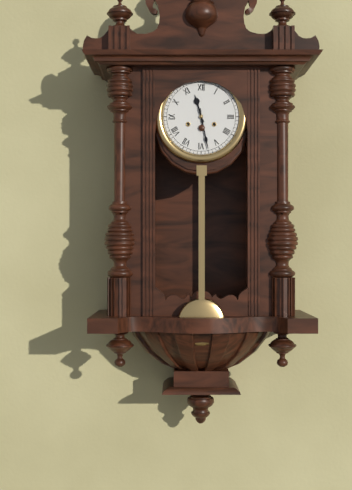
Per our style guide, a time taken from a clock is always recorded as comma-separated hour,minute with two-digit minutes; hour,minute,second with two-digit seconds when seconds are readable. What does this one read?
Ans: 11,28
